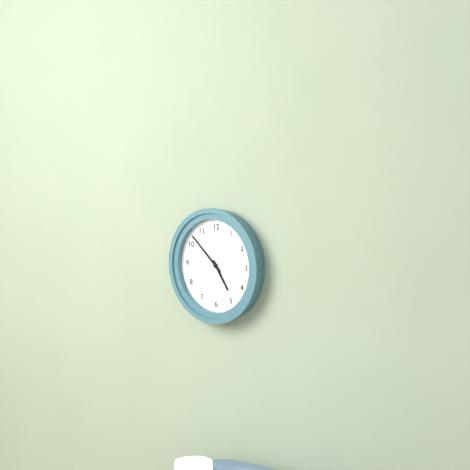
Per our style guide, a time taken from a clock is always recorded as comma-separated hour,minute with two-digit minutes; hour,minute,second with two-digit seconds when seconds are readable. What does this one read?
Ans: 4,52
